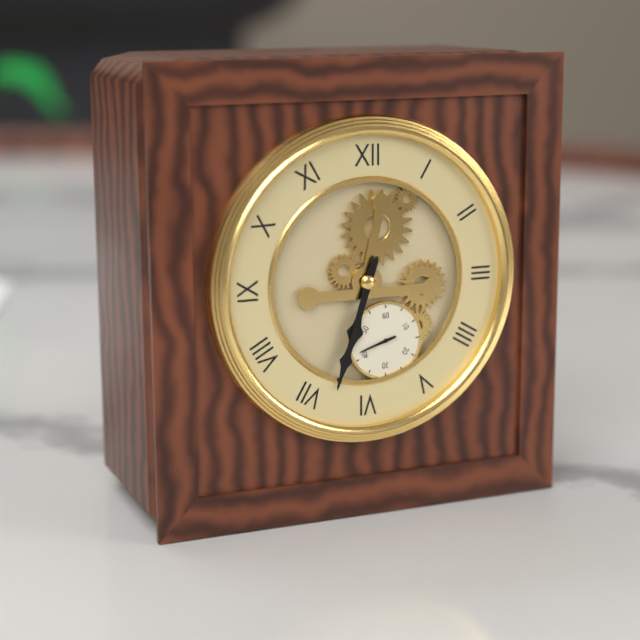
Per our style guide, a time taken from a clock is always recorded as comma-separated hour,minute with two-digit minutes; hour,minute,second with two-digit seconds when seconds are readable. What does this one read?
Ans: 6,33
